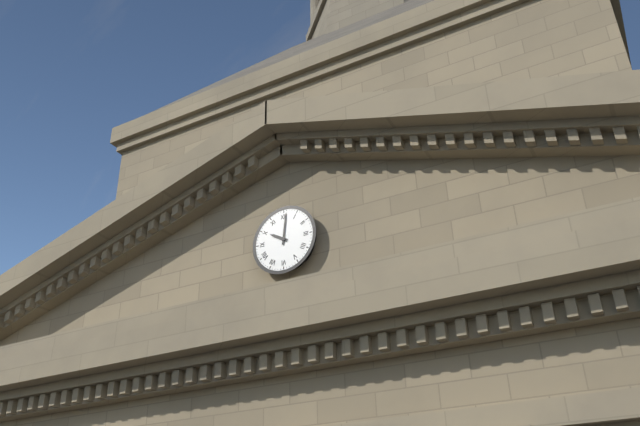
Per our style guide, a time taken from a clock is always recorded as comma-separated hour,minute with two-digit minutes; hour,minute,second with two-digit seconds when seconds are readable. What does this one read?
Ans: 10,01
